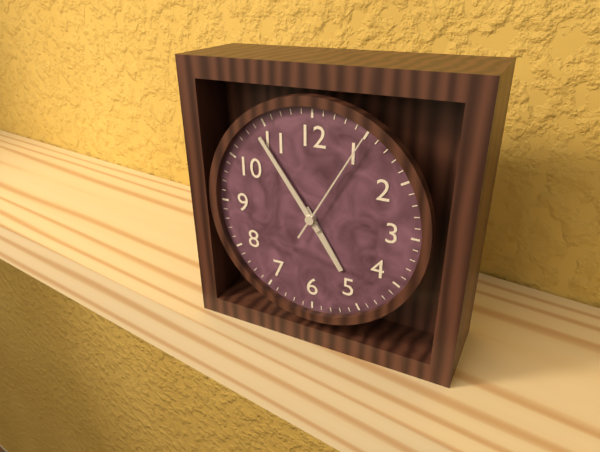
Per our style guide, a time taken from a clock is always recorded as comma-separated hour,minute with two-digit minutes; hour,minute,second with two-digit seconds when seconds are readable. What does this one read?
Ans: 4,54,05
